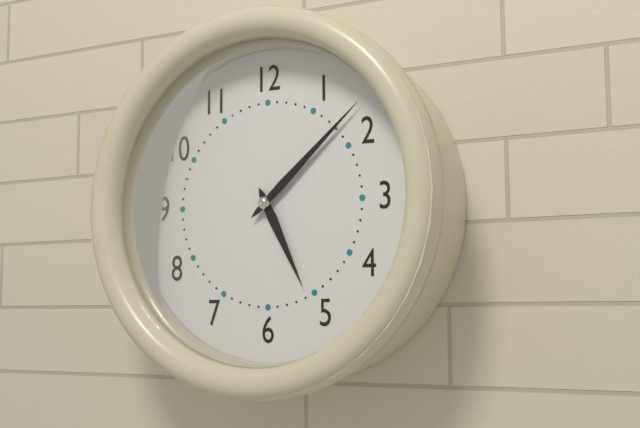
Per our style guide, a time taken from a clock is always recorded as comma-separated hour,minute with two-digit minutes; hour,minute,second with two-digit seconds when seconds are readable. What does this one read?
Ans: 5,08
